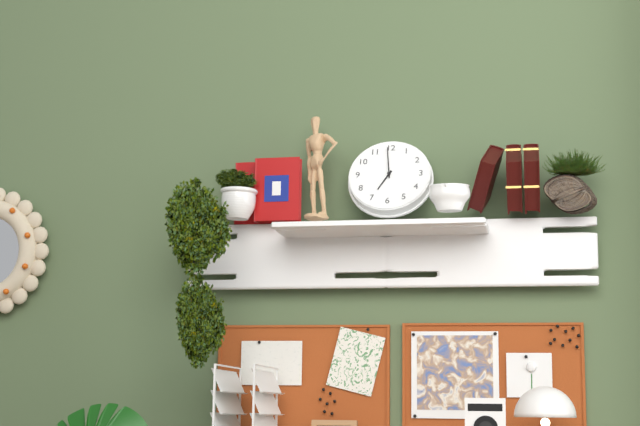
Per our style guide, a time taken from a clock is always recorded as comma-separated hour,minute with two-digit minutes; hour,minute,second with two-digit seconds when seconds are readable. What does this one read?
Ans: 6,59
